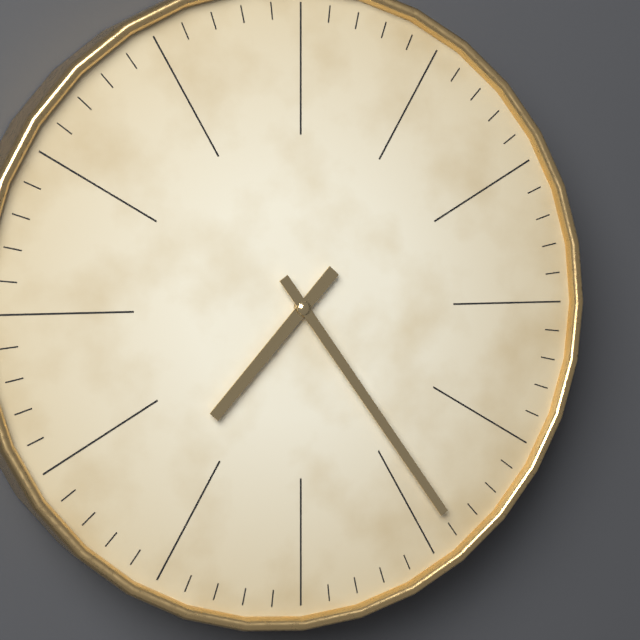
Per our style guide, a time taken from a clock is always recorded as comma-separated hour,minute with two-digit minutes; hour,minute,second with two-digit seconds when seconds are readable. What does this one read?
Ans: 7,24
